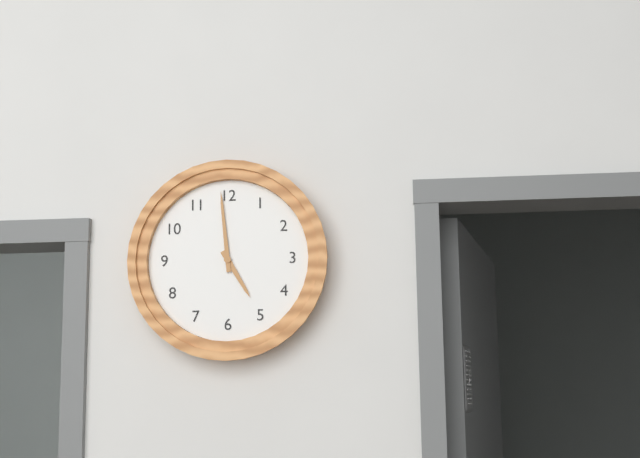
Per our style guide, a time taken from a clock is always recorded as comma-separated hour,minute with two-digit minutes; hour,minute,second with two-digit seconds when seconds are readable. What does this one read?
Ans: 4,59
